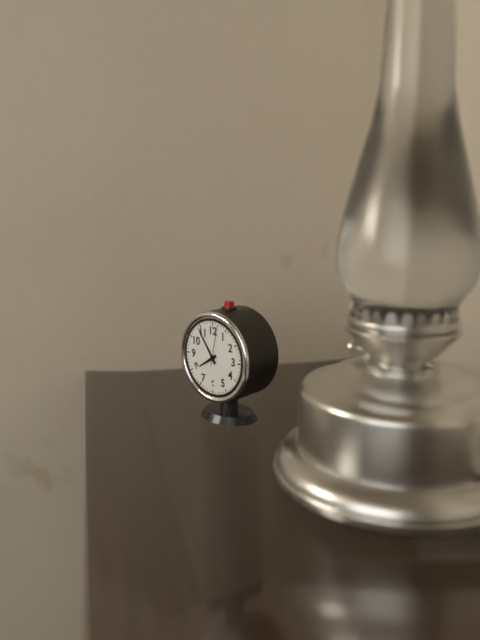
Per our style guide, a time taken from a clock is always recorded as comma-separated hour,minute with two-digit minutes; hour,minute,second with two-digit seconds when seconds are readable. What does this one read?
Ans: 7,54
